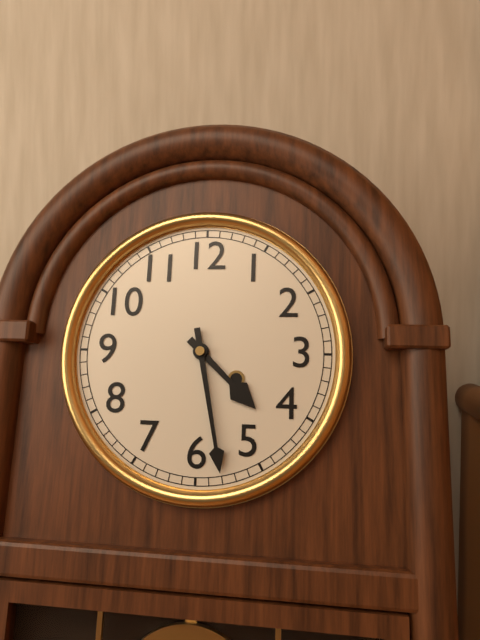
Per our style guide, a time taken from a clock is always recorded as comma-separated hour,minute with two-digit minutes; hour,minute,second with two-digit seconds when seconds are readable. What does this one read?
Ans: 4,28
